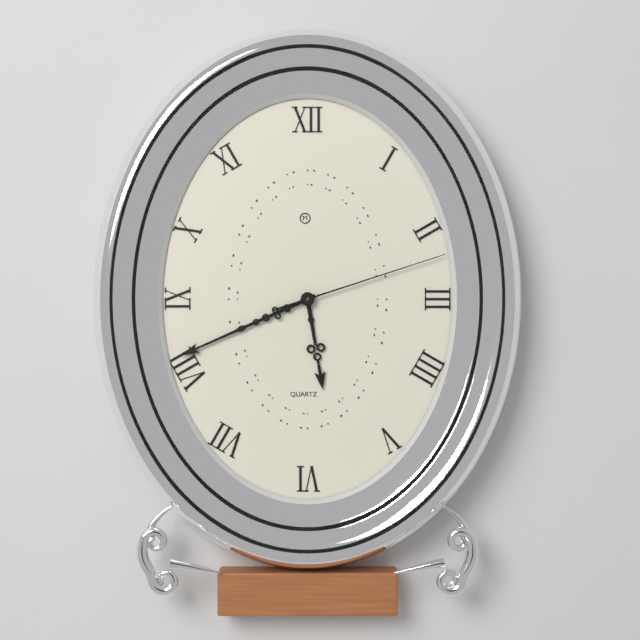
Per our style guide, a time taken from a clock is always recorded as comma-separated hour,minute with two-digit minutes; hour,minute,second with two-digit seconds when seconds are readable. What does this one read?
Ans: 5,41,12
